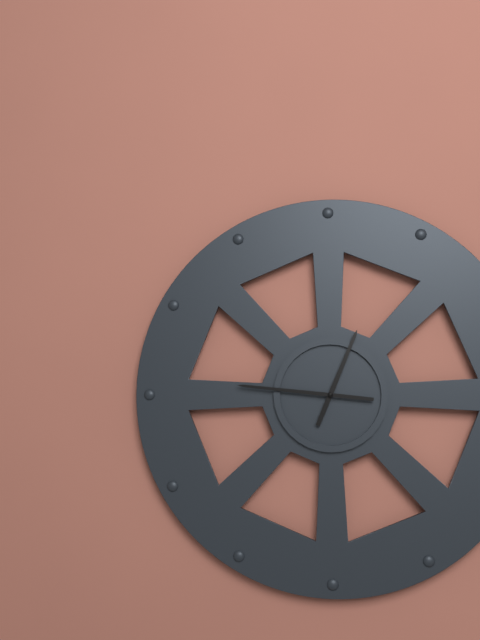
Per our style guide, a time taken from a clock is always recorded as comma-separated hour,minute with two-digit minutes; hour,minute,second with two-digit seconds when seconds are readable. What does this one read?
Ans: 12,46
